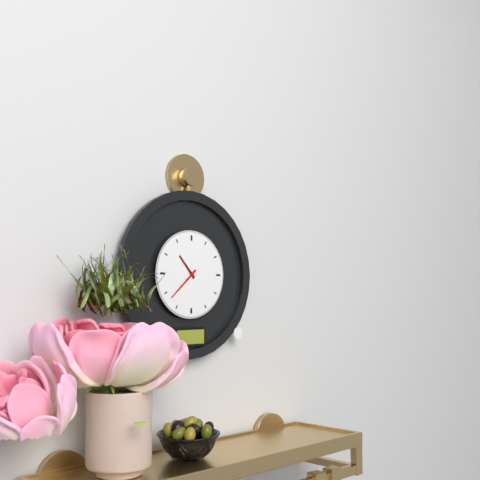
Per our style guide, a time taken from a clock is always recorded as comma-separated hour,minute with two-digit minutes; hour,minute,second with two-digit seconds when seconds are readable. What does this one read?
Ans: 10,38
